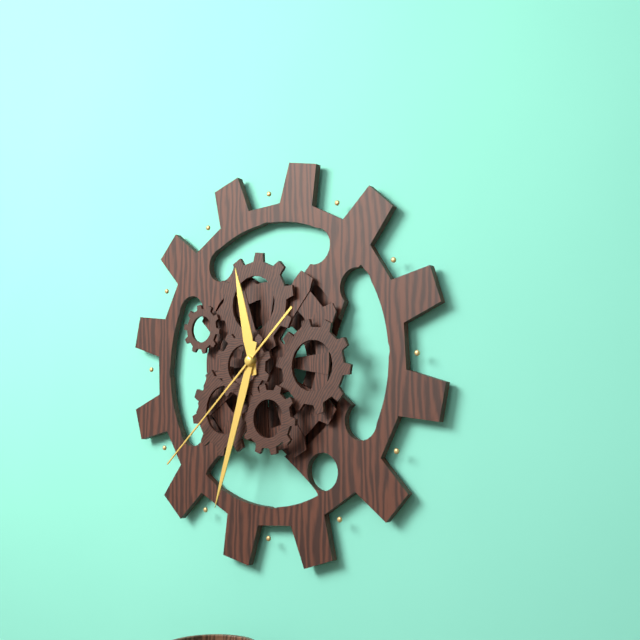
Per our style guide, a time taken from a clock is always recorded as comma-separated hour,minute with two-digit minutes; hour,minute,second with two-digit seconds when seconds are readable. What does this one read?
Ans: 11,33,38
